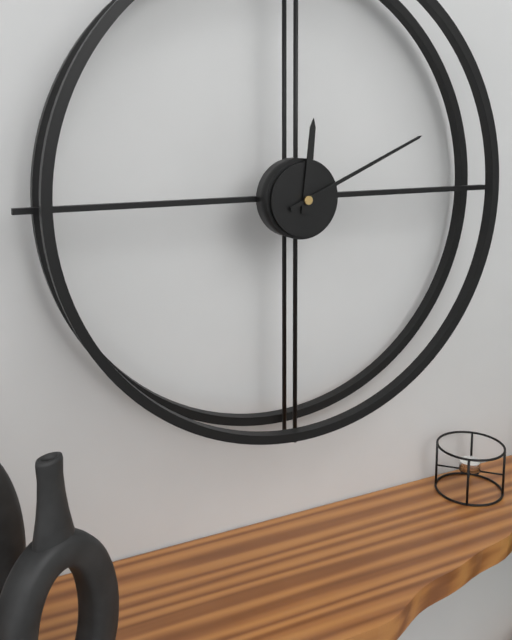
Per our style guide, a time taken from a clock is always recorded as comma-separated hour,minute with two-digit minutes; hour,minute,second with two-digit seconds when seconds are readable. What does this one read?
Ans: 12,11
